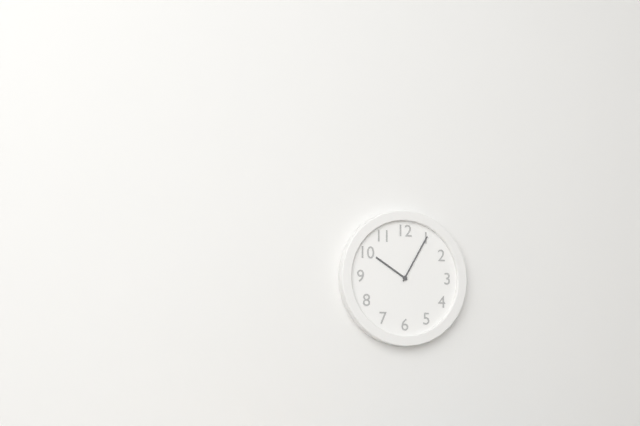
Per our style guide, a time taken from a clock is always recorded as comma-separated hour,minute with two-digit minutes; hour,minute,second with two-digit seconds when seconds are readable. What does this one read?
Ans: 10,05
